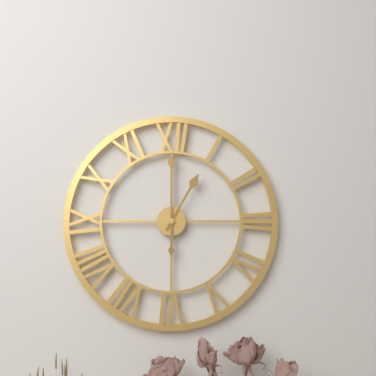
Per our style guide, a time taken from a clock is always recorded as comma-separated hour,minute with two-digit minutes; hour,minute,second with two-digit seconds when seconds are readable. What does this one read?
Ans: 1,00
